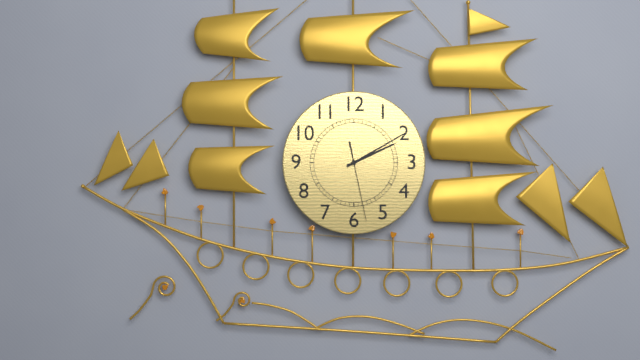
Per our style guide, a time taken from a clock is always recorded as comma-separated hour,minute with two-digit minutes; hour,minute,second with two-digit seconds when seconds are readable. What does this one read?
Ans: 2,10,28
